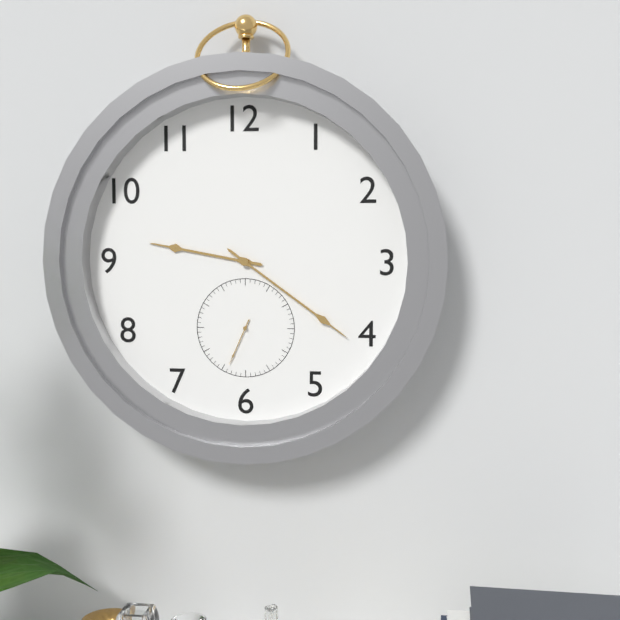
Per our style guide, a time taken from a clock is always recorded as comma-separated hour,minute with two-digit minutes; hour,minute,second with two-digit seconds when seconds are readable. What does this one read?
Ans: 9,21,34
